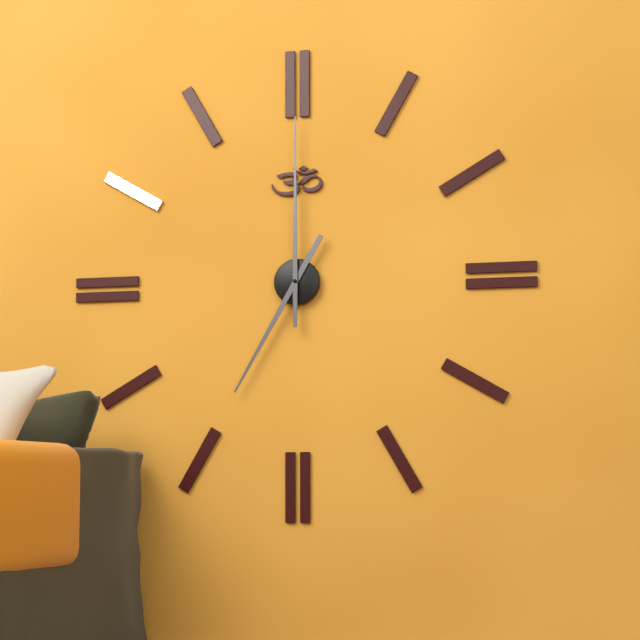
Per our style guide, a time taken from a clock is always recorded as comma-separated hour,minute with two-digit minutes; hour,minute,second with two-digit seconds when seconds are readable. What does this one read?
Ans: 7,00
